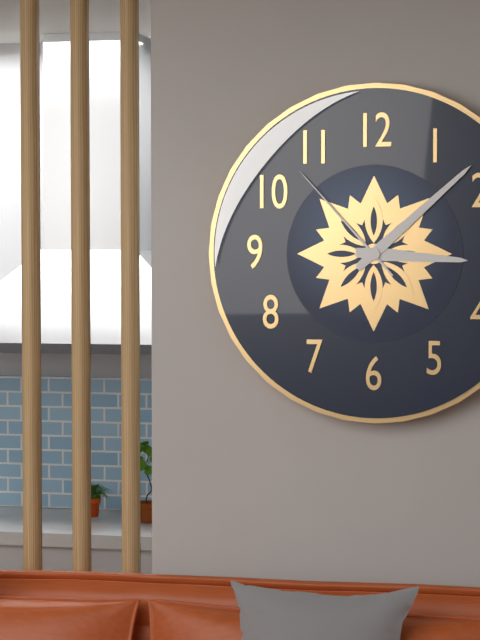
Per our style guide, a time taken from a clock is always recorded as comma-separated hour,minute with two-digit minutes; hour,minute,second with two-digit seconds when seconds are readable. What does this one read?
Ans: 3,08,53
